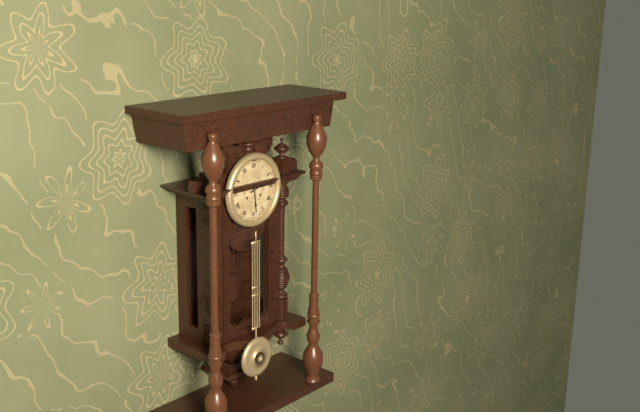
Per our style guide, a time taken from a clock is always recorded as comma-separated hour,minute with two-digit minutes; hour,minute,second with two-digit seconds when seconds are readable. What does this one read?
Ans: 2,29
